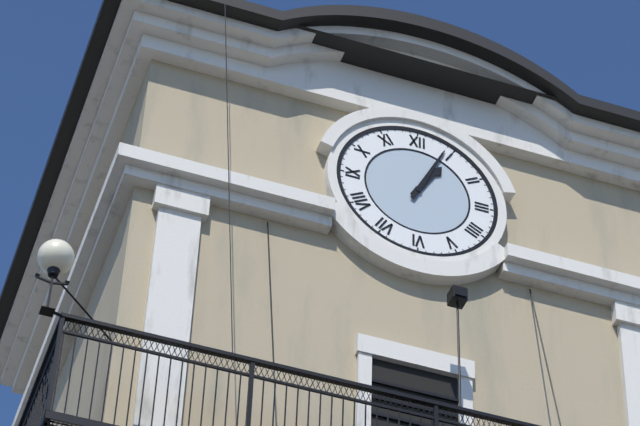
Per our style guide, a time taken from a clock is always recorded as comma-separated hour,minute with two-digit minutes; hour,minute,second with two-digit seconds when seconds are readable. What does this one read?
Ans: 1,04
